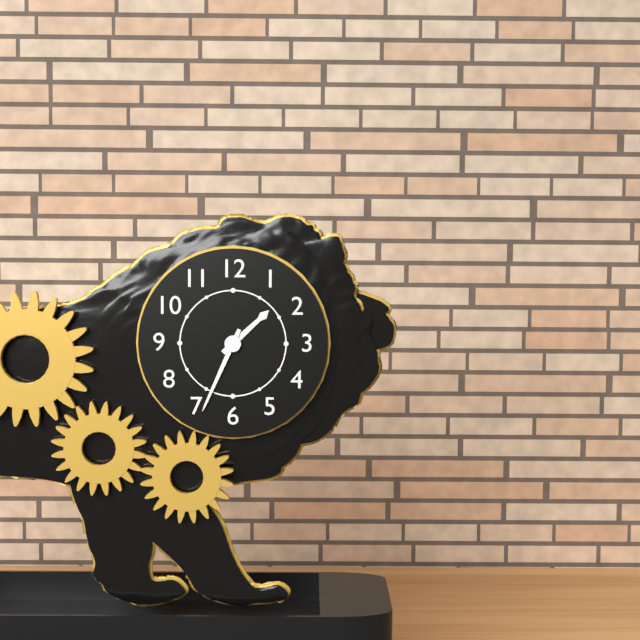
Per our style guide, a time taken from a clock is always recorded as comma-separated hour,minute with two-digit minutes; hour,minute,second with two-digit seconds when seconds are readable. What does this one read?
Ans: 1,34
